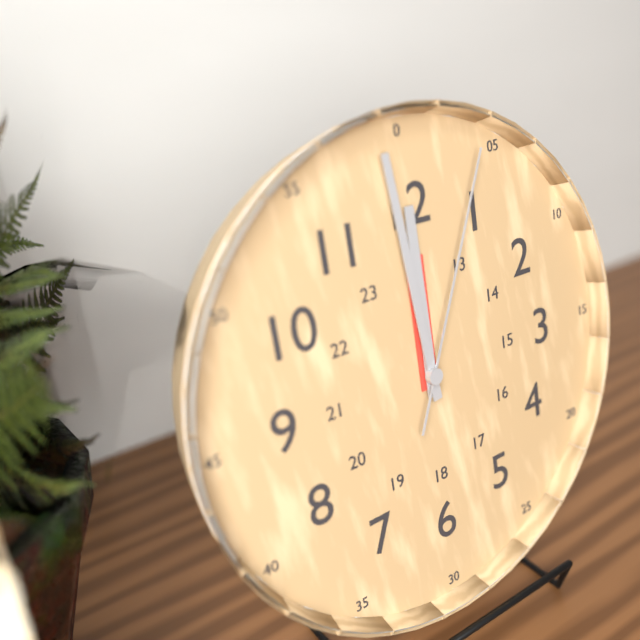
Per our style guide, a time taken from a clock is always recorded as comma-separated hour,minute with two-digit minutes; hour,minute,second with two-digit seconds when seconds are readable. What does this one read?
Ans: 11,59,04
